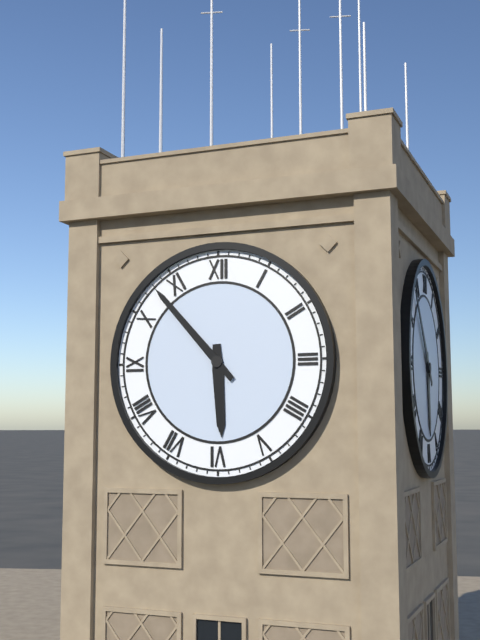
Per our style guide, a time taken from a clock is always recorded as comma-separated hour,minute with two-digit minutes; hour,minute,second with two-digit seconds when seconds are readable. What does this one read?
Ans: 5,53
